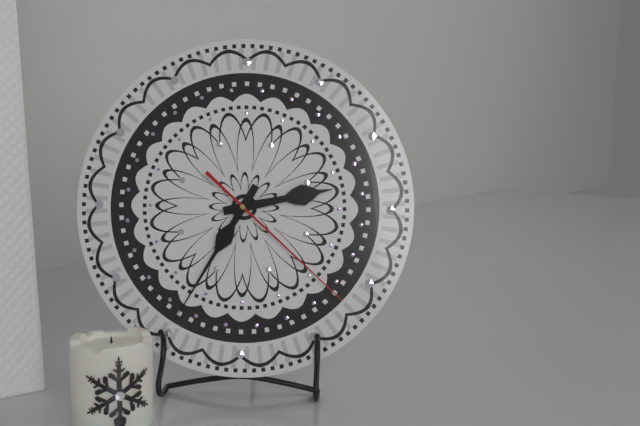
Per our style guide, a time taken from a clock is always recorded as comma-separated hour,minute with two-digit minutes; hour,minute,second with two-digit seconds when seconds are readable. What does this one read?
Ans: 2,35,22
